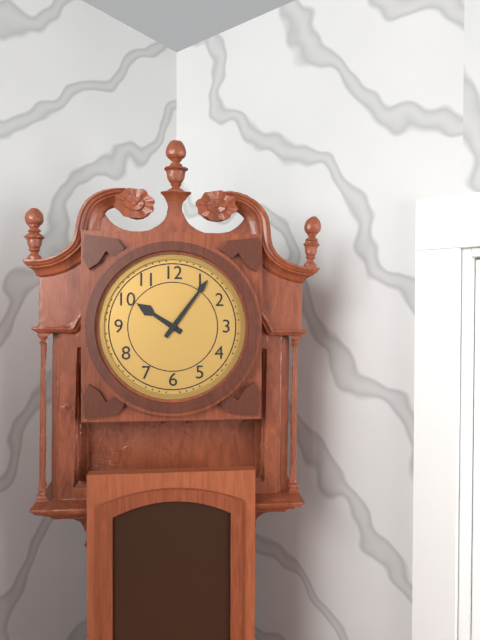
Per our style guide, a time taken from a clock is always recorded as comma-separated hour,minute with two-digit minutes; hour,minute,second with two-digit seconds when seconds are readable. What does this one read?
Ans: 10,06
